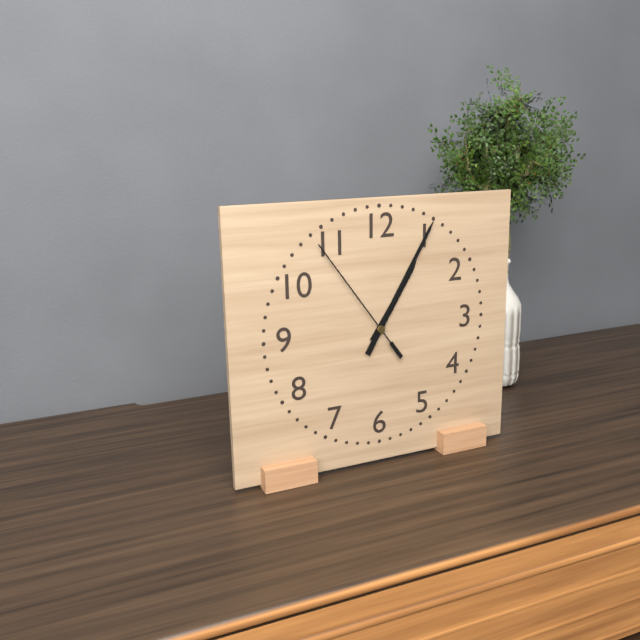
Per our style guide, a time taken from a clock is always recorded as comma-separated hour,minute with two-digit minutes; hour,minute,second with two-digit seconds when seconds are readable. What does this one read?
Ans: 1,05,54
